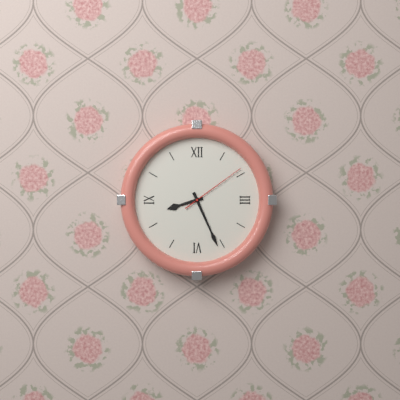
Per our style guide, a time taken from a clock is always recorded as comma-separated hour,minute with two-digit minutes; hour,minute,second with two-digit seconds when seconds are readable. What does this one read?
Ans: 8,26,09
